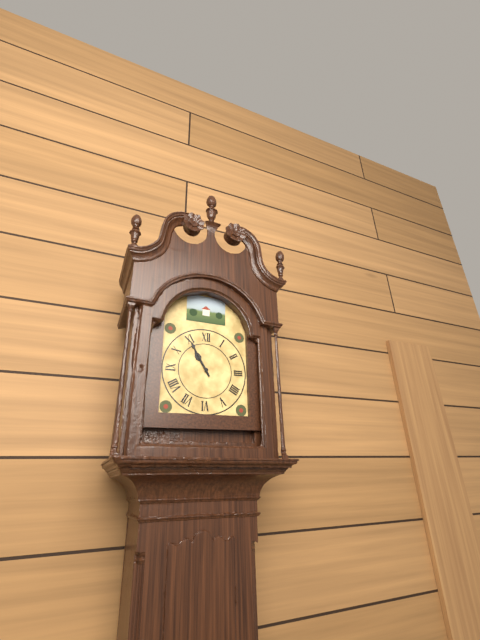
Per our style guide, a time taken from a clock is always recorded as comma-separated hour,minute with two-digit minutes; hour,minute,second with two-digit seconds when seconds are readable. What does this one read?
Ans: 10,55
